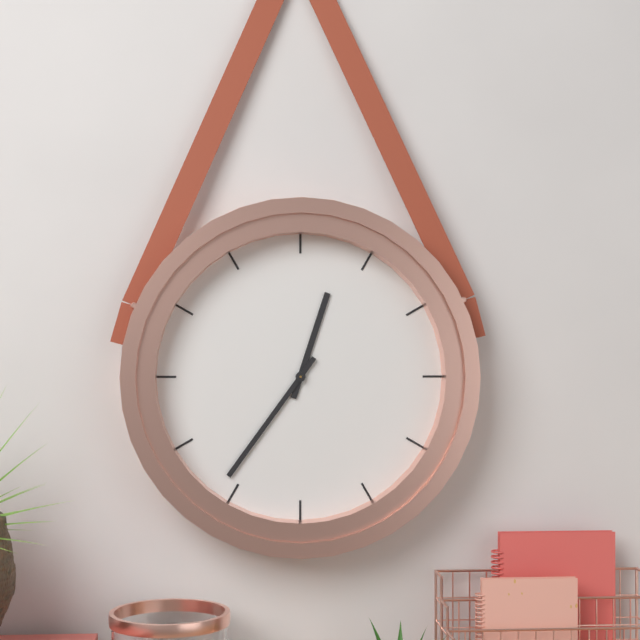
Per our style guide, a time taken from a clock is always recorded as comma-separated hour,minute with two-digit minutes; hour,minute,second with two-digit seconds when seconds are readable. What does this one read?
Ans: 12,36
